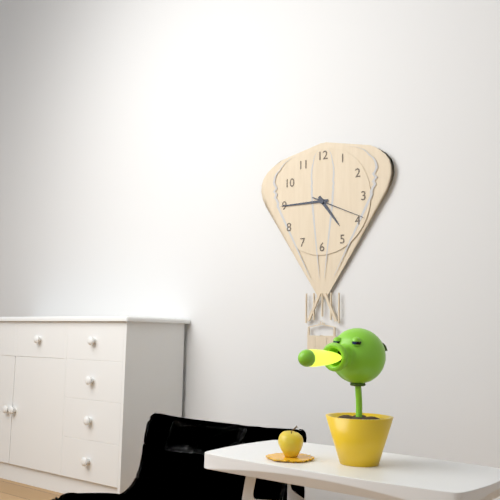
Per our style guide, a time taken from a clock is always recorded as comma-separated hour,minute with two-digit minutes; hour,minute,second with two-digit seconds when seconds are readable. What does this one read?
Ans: 4,45,19
